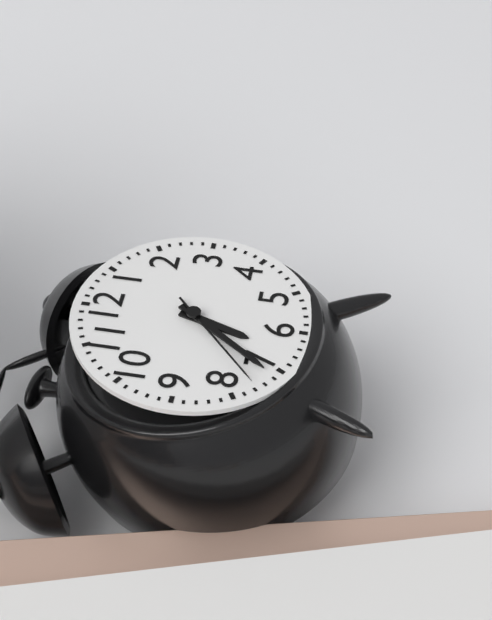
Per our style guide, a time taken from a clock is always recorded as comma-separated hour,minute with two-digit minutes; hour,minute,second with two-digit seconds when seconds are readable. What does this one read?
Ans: 6,36,38
